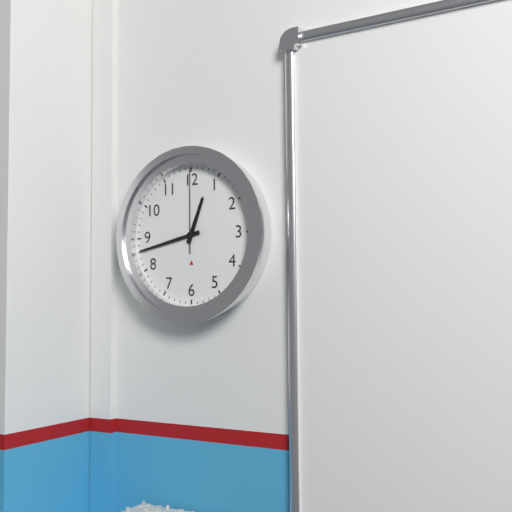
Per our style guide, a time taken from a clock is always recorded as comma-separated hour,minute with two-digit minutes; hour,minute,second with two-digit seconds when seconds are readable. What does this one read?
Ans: 12,43,00
